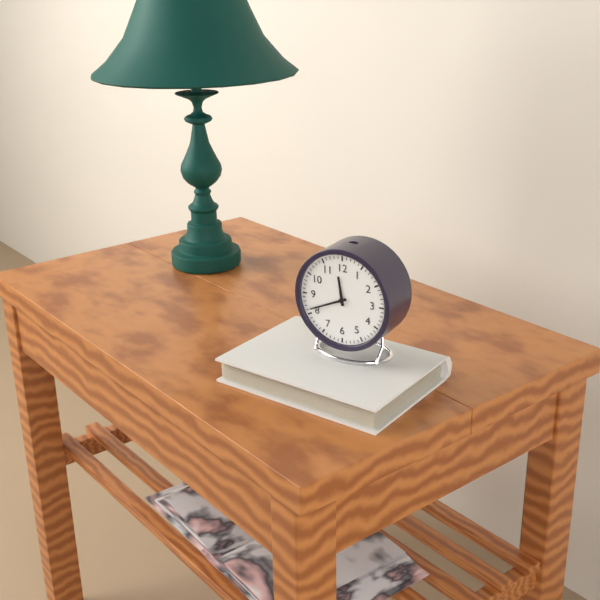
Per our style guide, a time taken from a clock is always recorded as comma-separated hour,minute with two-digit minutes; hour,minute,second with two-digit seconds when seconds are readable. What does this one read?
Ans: 11,41
